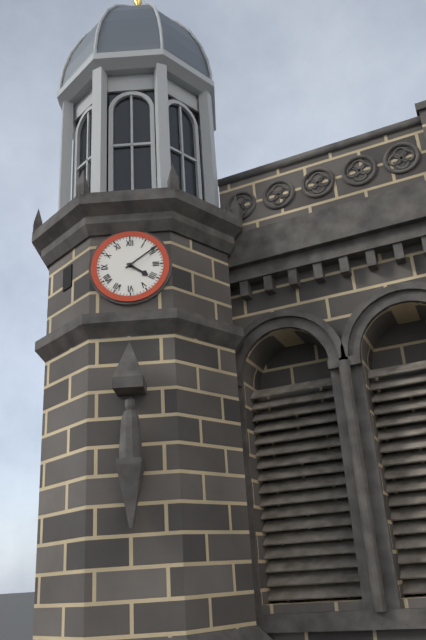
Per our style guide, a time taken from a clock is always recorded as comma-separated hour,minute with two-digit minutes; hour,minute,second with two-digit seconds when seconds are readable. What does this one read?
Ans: 4,09
